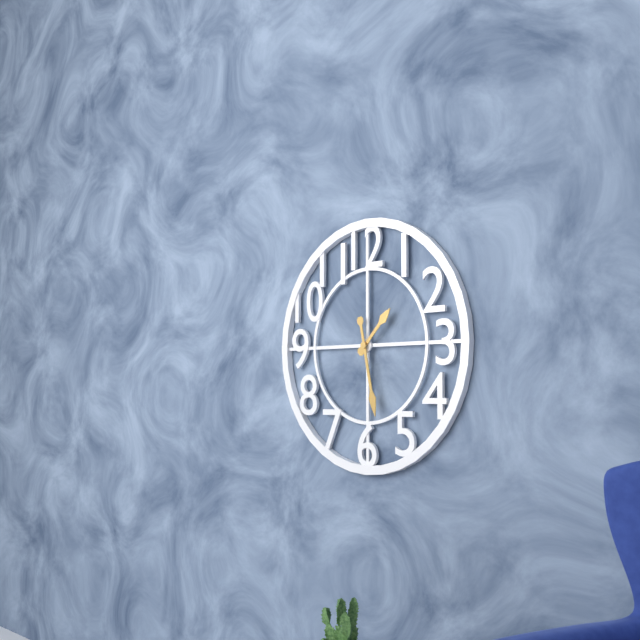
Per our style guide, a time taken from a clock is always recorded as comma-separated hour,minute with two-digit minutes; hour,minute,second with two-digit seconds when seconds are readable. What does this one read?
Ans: 1,28
